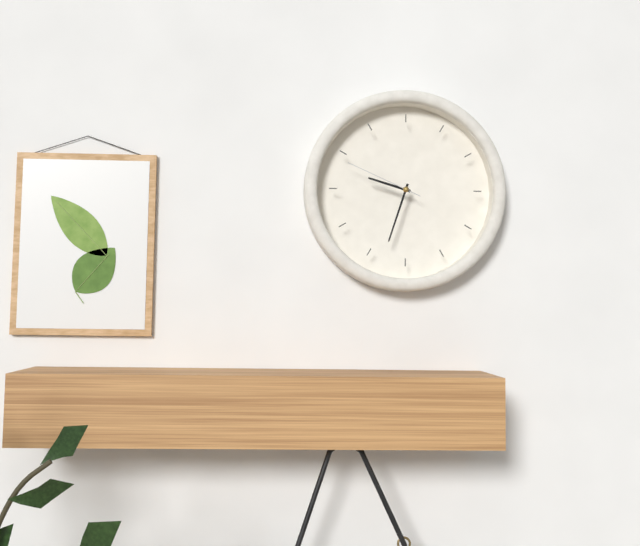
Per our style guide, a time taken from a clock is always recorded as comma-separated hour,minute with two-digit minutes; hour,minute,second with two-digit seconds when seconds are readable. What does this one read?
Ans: 9,33,49
